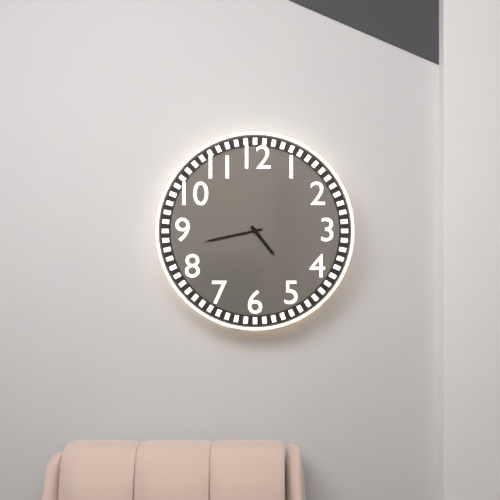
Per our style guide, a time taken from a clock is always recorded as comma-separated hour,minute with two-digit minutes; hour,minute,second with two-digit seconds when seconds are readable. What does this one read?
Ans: 4,43
